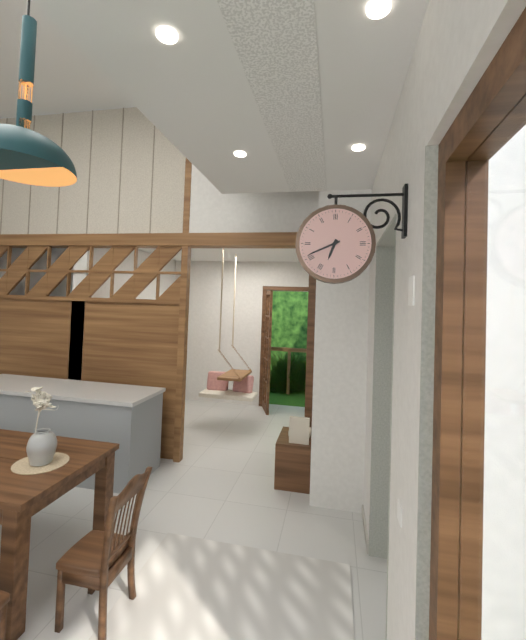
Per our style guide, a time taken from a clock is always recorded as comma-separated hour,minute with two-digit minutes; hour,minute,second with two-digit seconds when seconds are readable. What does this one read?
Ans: 6,41
